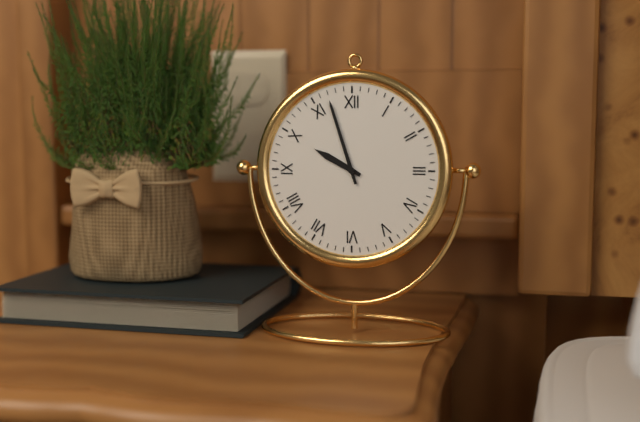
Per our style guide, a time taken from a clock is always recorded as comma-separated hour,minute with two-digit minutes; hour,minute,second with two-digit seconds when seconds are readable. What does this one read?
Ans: 9,57
